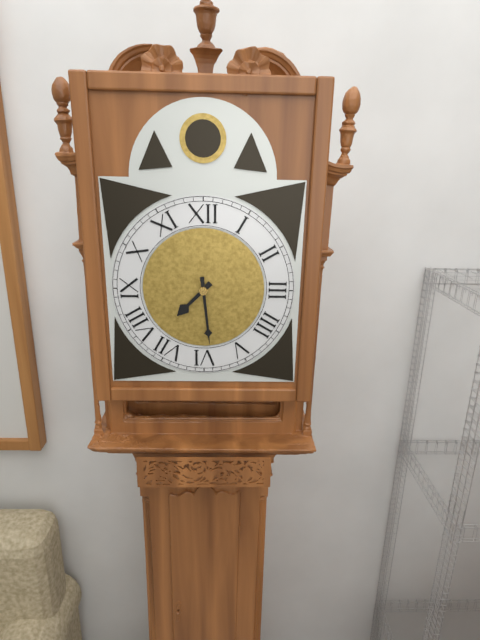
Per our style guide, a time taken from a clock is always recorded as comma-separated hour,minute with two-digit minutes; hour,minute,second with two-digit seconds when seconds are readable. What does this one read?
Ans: 7,29
